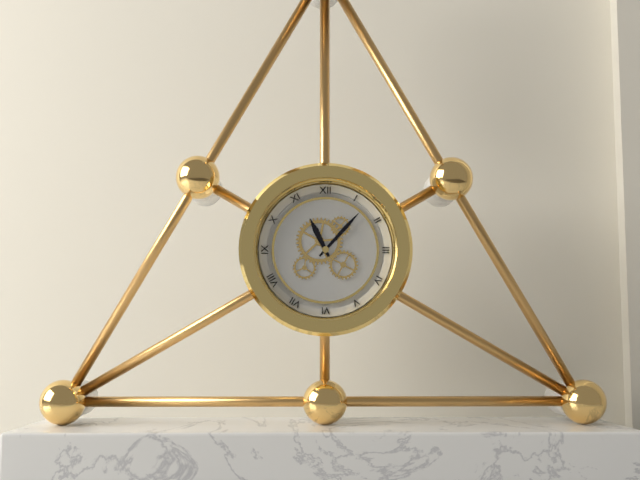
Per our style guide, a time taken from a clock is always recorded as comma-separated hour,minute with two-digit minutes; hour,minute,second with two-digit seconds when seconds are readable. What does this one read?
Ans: 11,07
